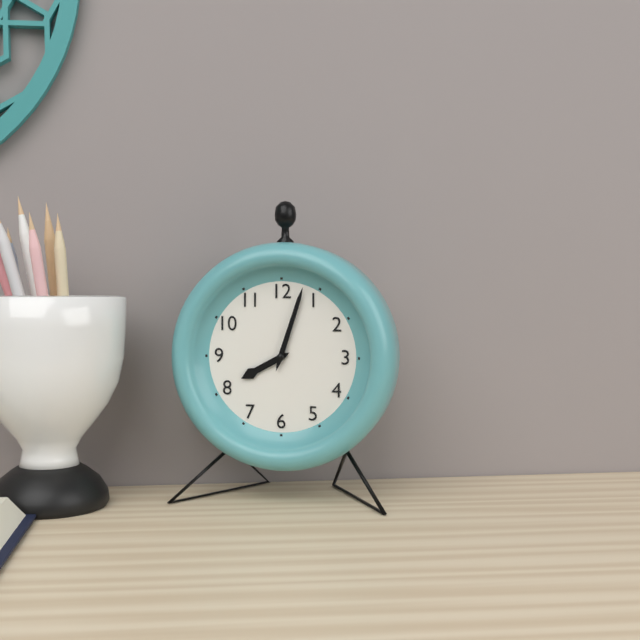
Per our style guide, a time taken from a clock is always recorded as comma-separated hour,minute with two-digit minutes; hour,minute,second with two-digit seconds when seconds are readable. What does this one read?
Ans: 8,03
